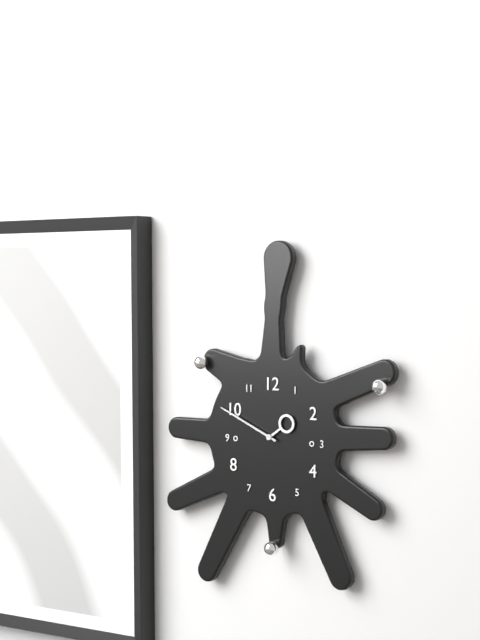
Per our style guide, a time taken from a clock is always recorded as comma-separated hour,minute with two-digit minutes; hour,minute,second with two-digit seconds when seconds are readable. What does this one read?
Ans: 1,49
